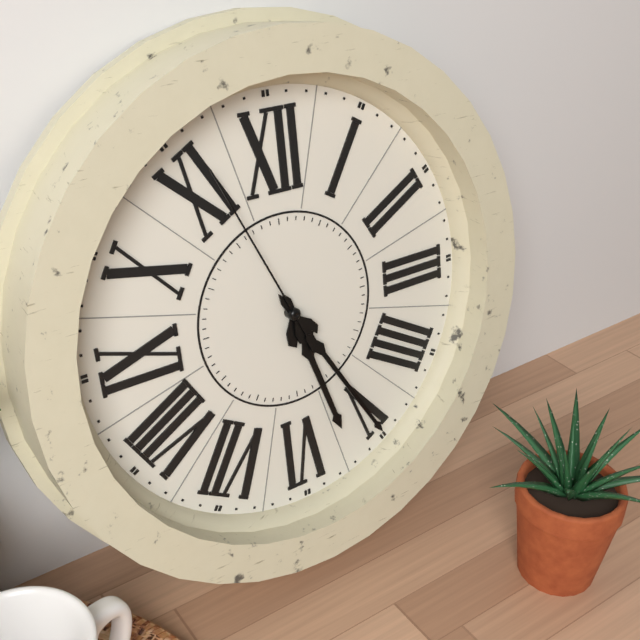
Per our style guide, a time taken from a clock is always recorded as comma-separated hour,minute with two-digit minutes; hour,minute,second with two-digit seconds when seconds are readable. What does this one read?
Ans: 5,25,56
